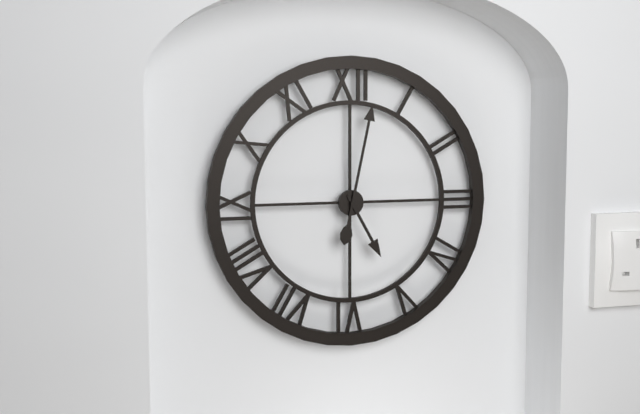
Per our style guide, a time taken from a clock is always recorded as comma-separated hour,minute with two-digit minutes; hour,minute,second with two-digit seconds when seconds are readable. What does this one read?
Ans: 5,02
